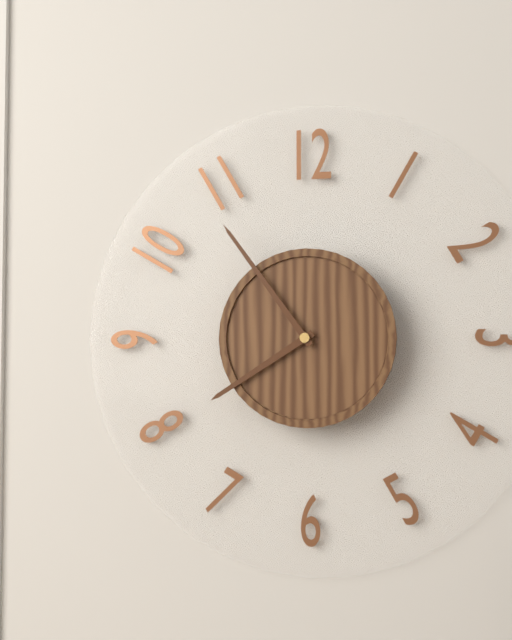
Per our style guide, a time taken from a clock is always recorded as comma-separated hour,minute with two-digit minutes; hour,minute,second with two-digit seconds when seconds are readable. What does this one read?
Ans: 7,54
